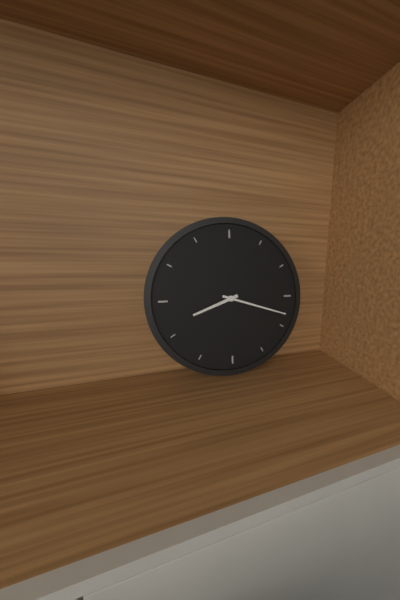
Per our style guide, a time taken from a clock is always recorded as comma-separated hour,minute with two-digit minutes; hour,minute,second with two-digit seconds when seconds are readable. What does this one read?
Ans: 8,18
